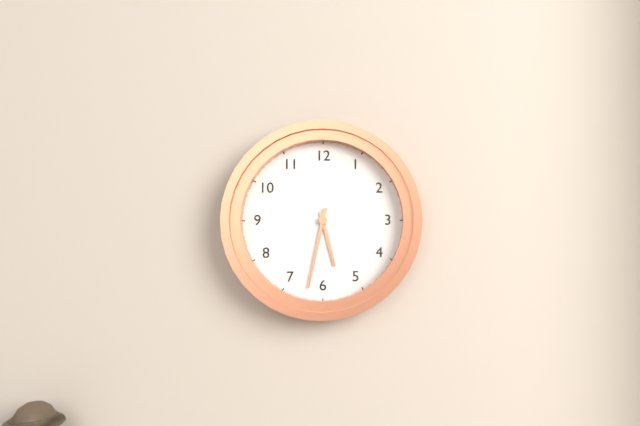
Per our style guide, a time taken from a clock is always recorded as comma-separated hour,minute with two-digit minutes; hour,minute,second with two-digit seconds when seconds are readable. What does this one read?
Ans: 5,32
